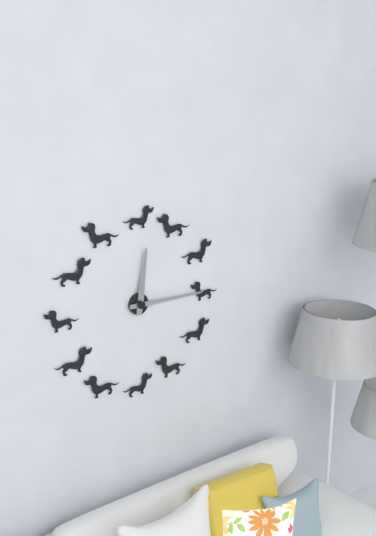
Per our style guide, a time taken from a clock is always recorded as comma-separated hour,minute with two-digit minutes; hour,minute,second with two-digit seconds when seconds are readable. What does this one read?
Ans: 12,15
